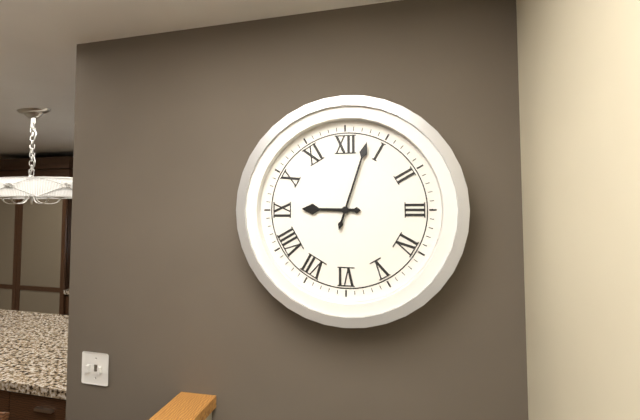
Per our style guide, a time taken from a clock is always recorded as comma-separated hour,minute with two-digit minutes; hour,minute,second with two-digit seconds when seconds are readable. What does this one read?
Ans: 9,03
